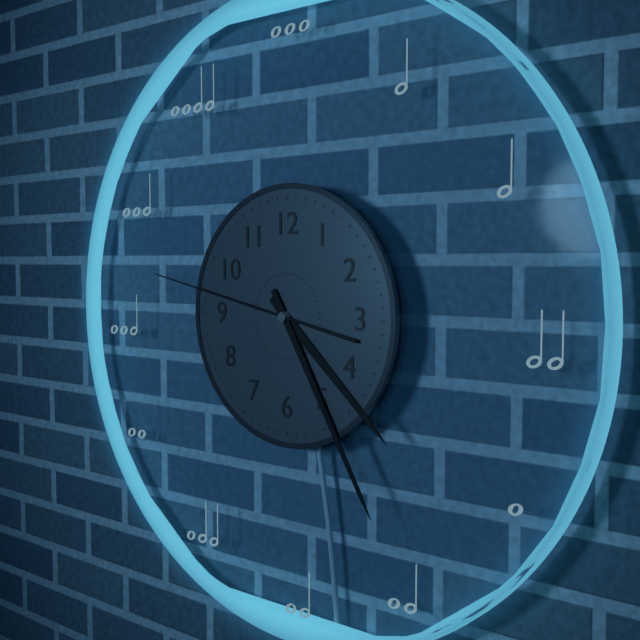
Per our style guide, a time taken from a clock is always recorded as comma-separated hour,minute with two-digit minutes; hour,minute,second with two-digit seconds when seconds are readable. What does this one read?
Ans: 4,25,47
